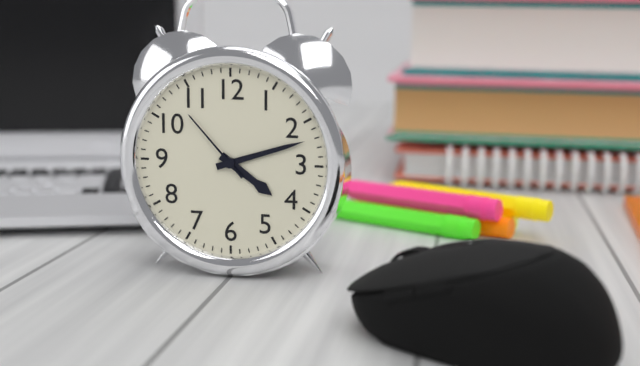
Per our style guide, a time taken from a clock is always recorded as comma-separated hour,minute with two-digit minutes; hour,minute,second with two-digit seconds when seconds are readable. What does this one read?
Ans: 4,12,53
